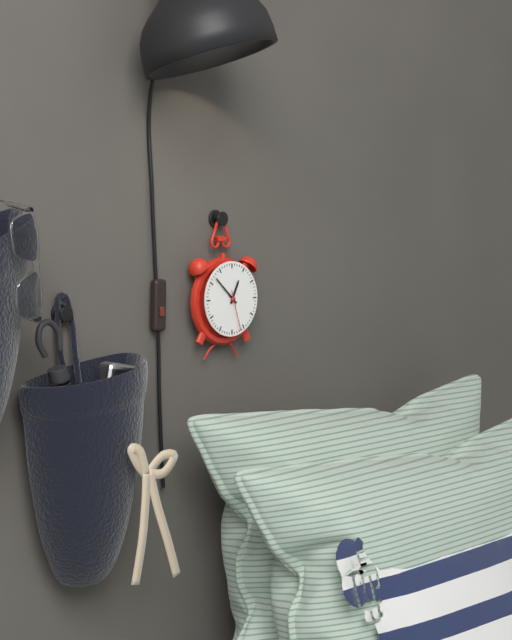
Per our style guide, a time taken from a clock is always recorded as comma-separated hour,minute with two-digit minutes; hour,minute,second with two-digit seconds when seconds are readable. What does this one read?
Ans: 12,52
